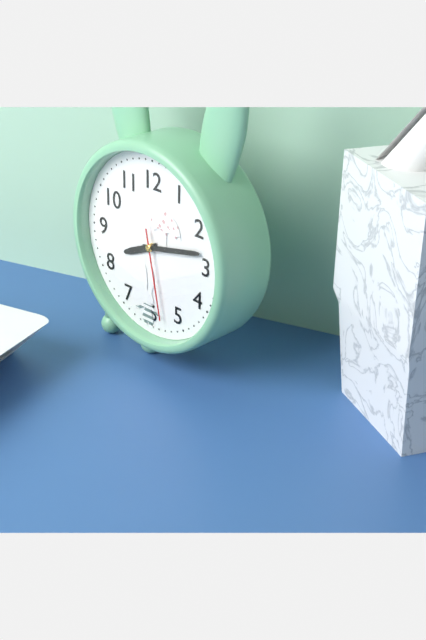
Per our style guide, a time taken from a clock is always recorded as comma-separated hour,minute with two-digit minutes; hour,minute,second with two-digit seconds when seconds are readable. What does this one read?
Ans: 8,13,28
